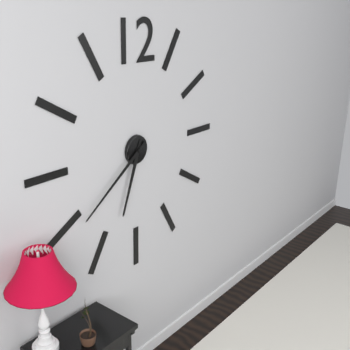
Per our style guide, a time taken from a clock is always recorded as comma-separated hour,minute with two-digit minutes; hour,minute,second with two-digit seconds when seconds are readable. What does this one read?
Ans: 6,39
